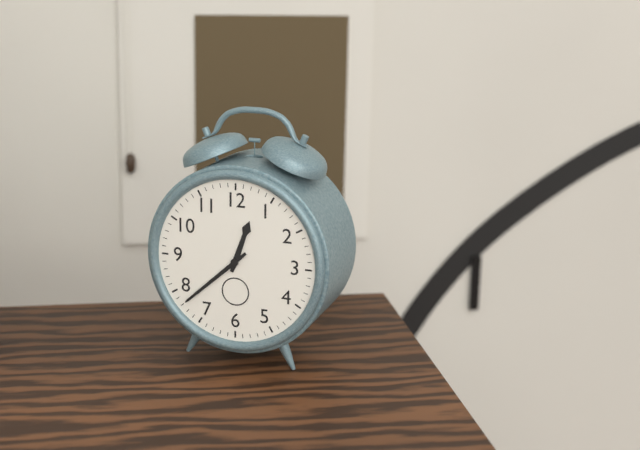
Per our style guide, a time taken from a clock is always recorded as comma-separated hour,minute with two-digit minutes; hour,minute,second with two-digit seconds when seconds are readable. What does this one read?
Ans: 12,38
